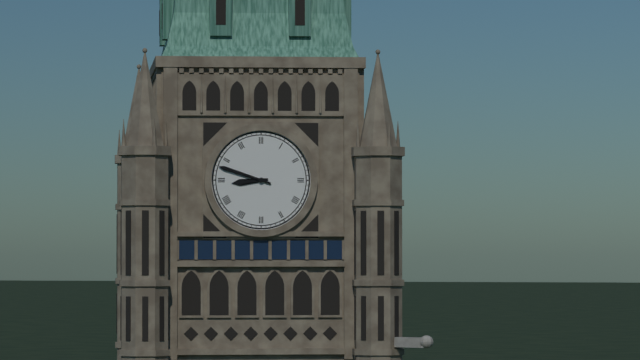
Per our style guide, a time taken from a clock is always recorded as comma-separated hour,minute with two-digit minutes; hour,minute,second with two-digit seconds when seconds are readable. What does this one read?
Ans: 8,48
